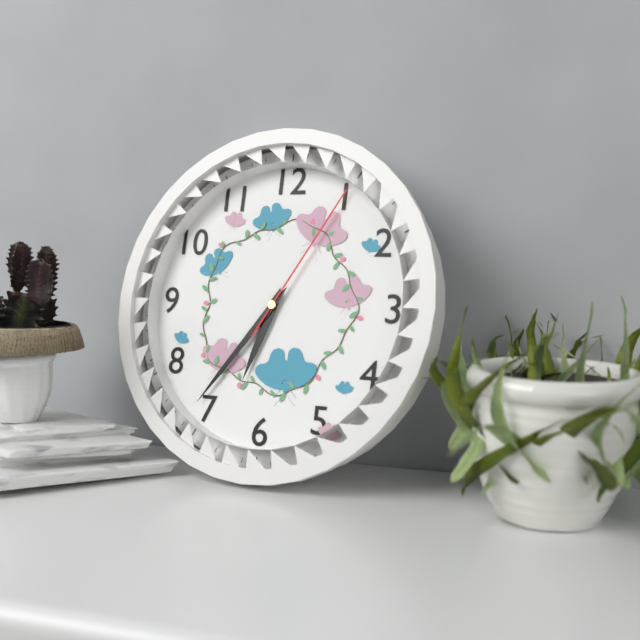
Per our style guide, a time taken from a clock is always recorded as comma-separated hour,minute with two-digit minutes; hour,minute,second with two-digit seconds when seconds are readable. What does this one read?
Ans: 6,36,05
